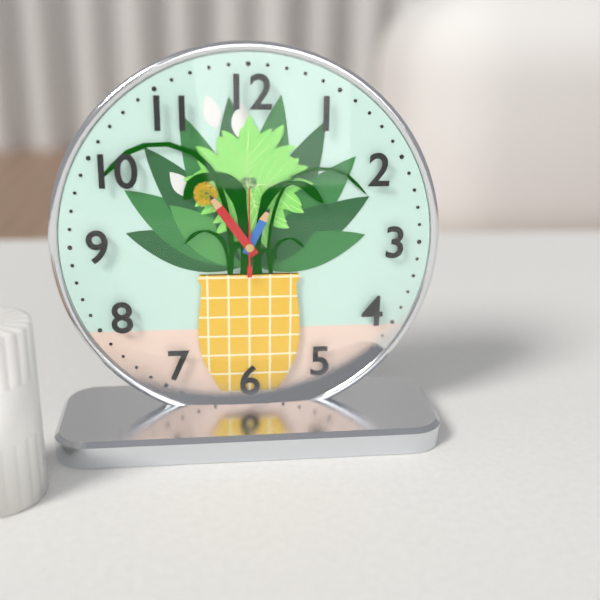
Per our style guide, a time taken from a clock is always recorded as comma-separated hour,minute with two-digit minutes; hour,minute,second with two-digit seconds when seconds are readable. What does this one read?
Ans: 12,54,00
